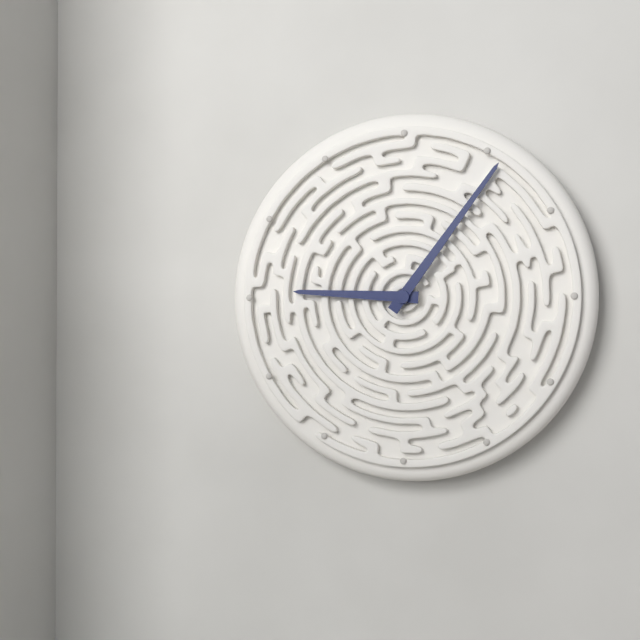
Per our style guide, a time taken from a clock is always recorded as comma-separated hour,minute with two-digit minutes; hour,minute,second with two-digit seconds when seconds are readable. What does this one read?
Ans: 9,06
